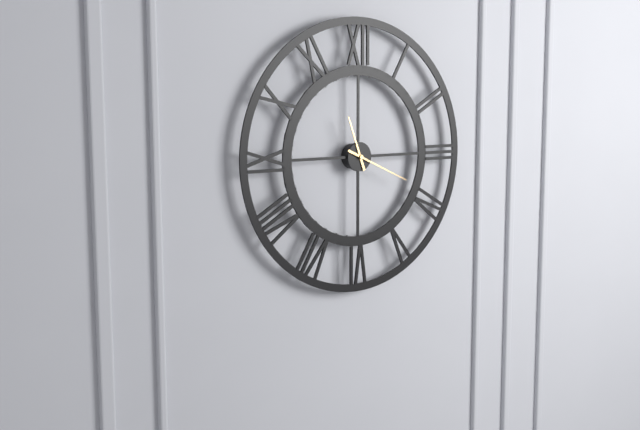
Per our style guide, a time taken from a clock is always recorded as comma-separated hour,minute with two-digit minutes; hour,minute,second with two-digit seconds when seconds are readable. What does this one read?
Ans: 11,19
